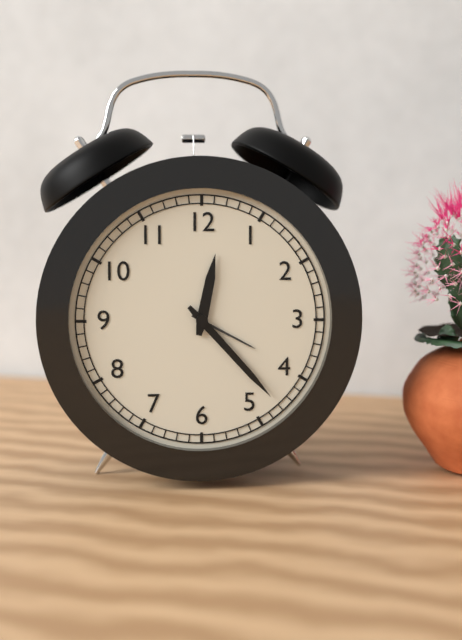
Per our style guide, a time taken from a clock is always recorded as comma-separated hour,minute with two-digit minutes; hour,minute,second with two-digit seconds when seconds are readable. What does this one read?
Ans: 12,23
